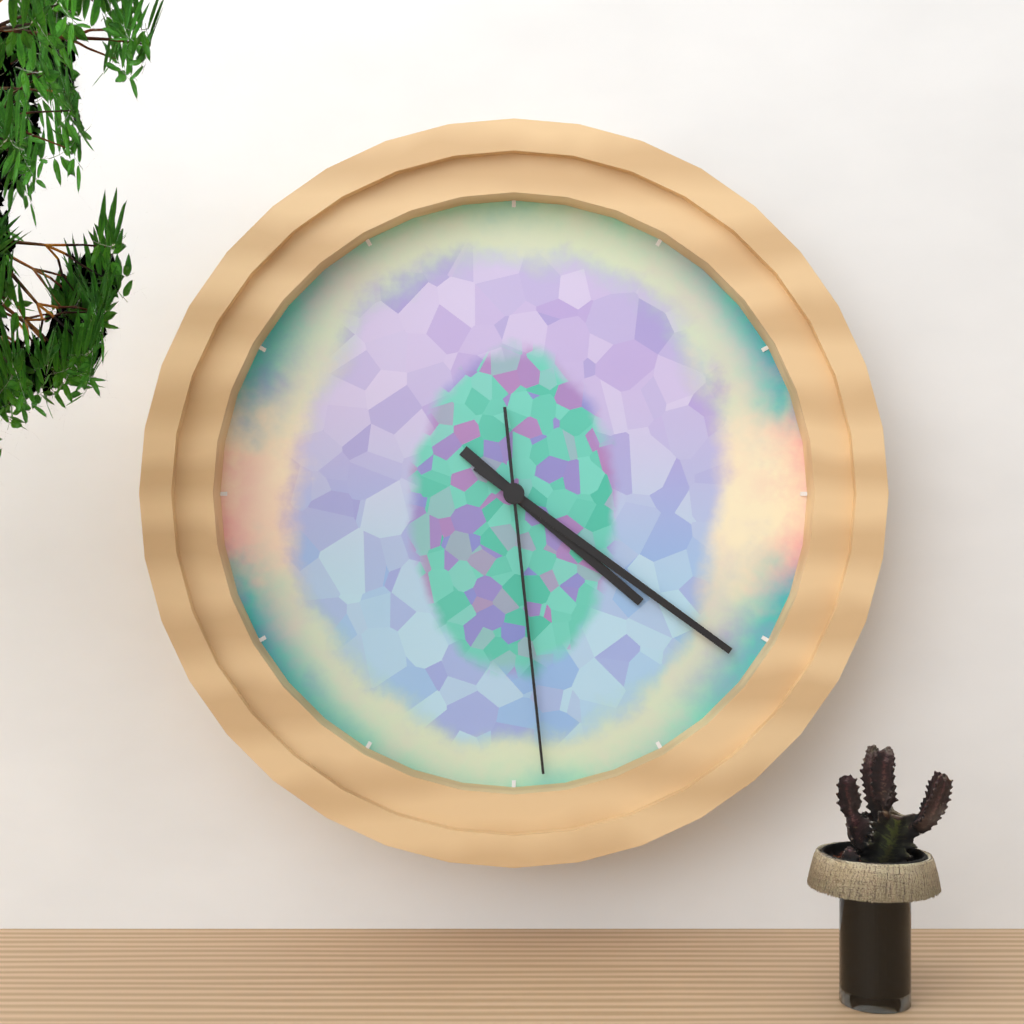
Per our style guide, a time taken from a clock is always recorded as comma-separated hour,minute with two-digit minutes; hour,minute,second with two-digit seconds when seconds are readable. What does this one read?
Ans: 4,21,29
